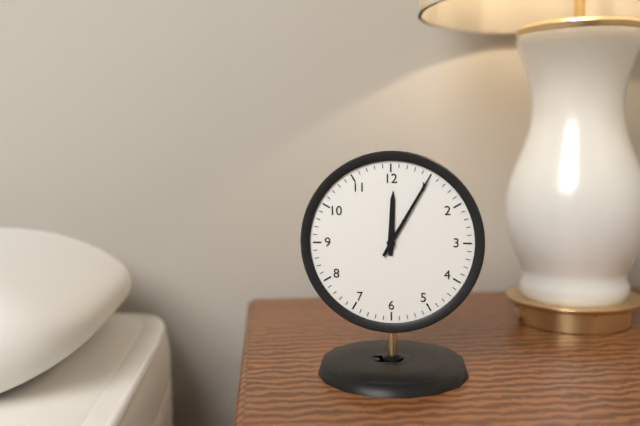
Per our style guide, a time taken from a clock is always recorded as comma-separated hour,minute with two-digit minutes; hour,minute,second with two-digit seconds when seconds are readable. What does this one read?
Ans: 12,05
